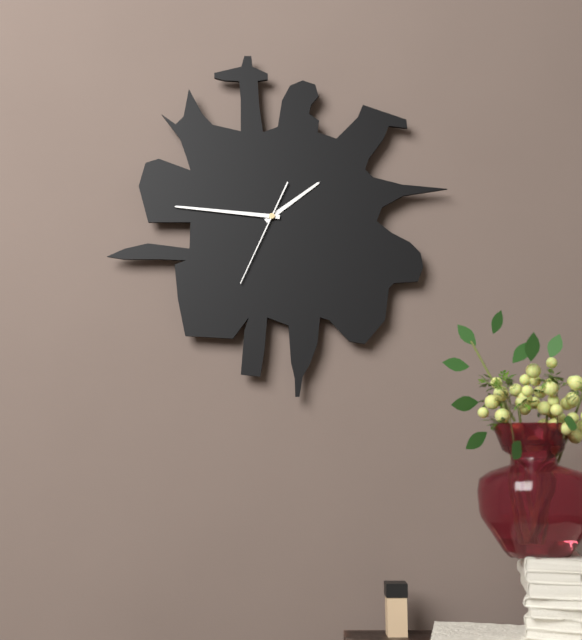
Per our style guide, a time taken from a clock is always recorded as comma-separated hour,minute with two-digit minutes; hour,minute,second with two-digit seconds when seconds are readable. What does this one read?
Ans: 1,46,34
